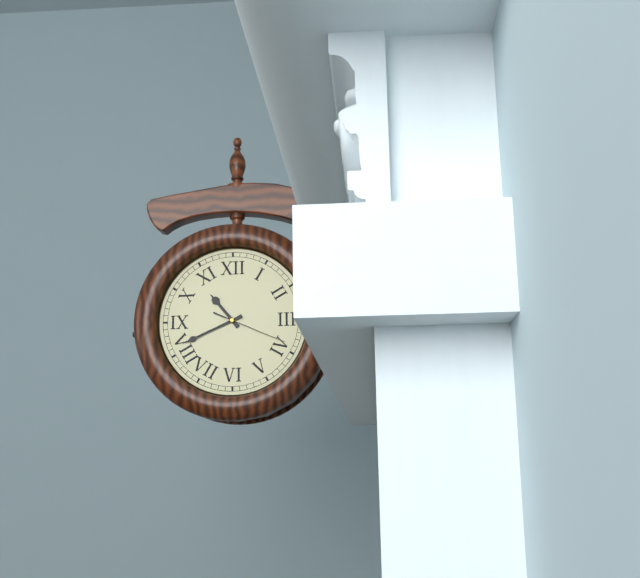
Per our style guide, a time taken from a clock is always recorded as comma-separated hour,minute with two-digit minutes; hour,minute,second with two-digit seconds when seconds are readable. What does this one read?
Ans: 10,41,19
